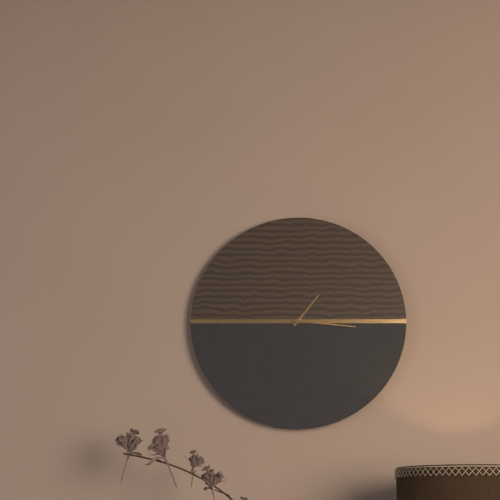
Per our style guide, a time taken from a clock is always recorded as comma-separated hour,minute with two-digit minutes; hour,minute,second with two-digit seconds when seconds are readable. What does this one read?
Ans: 1,16
